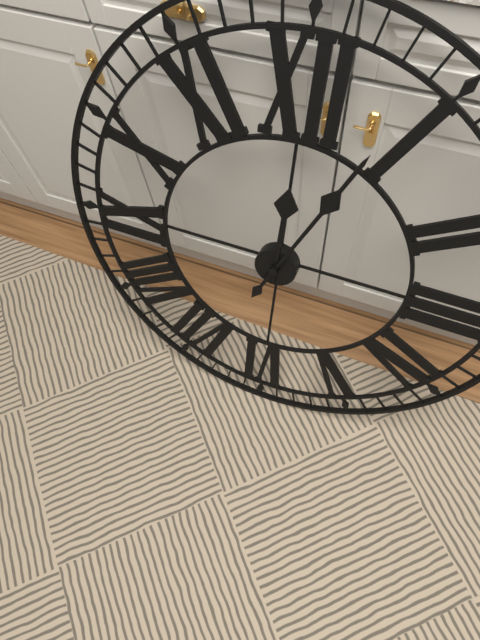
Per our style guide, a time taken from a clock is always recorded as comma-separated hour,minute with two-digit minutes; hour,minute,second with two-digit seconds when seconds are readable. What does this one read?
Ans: 12,04
